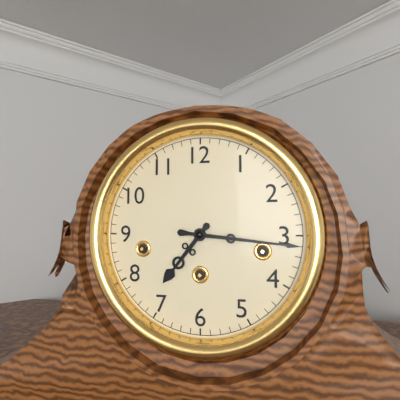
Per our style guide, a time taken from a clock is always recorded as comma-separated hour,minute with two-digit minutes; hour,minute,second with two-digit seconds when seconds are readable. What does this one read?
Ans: 7,16
